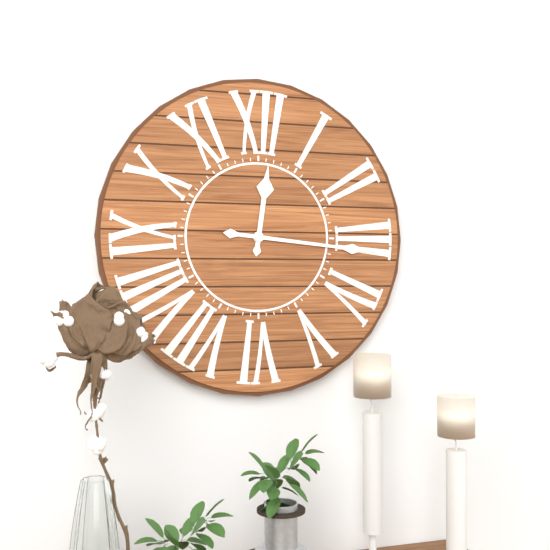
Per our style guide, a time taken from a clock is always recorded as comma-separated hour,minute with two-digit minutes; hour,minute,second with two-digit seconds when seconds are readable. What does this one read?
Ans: 12,16
